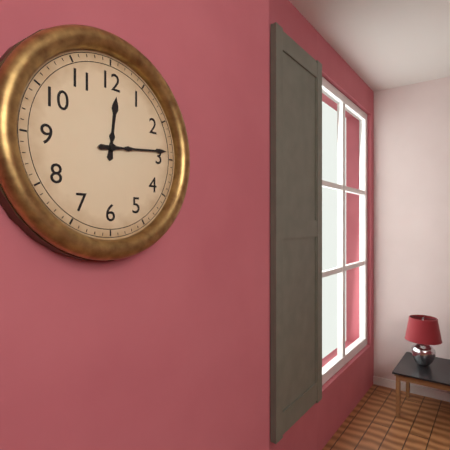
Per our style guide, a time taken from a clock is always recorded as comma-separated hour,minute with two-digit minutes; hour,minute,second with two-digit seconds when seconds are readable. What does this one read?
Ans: 12,14
